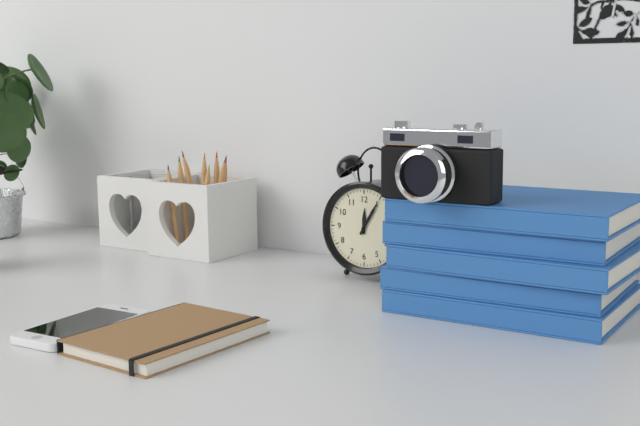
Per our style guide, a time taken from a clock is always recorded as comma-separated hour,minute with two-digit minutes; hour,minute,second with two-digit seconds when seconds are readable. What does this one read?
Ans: 12,05
